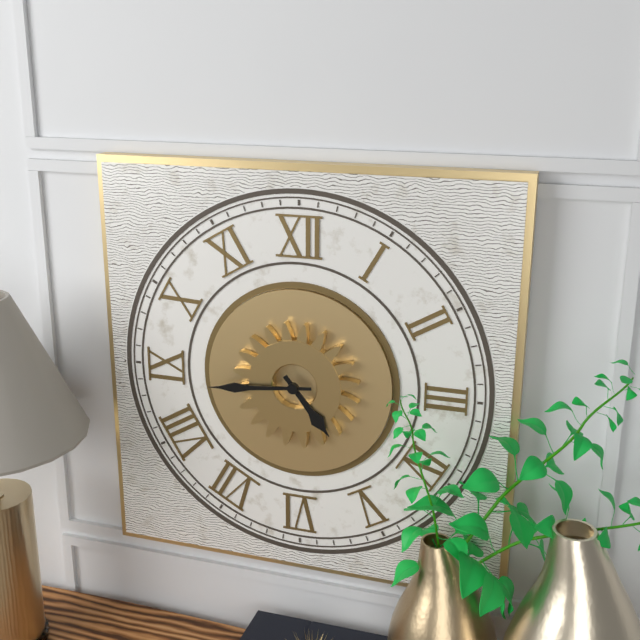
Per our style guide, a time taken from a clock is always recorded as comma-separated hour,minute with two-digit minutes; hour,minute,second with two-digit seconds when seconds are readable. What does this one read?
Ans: 4,44
